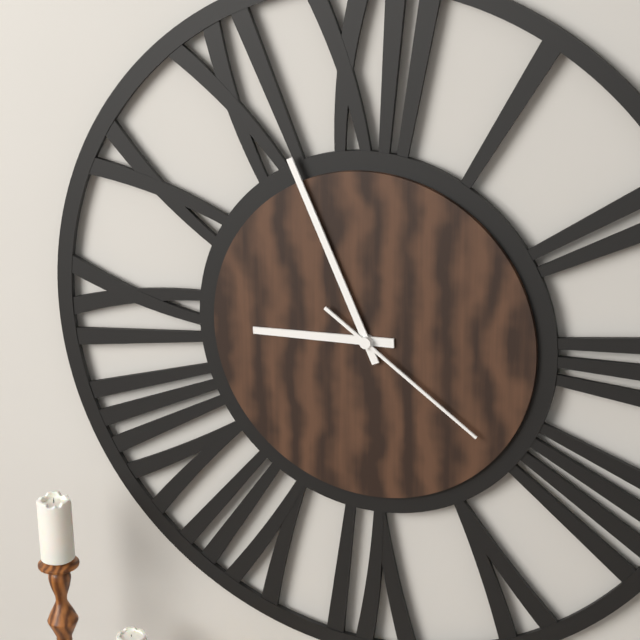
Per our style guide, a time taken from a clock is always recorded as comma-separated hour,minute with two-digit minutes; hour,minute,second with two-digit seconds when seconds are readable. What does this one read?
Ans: 8,56,21
